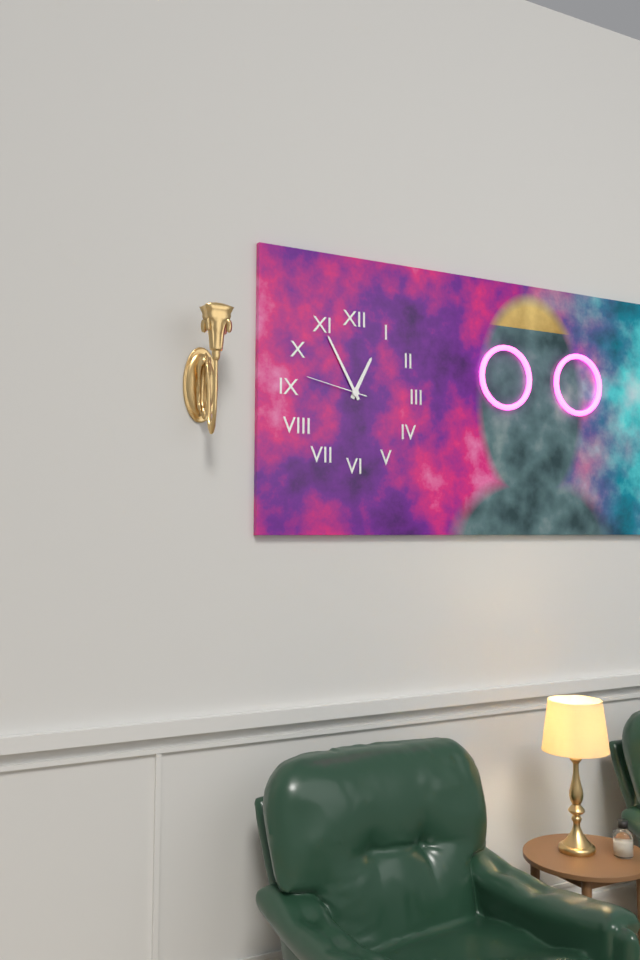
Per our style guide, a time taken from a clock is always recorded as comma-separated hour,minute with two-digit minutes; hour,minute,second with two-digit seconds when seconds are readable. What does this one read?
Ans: 12,55,47
